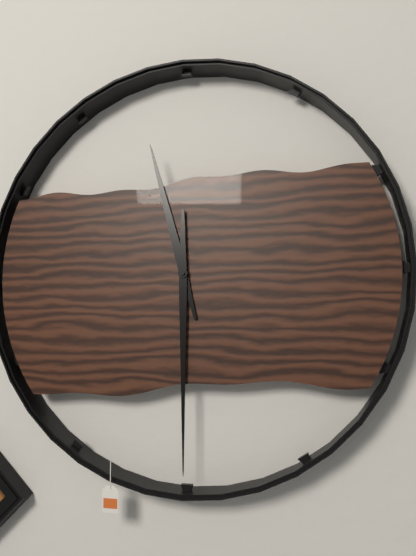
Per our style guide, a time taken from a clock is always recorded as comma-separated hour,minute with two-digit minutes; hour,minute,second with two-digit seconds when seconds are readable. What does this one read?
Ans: 11,30
